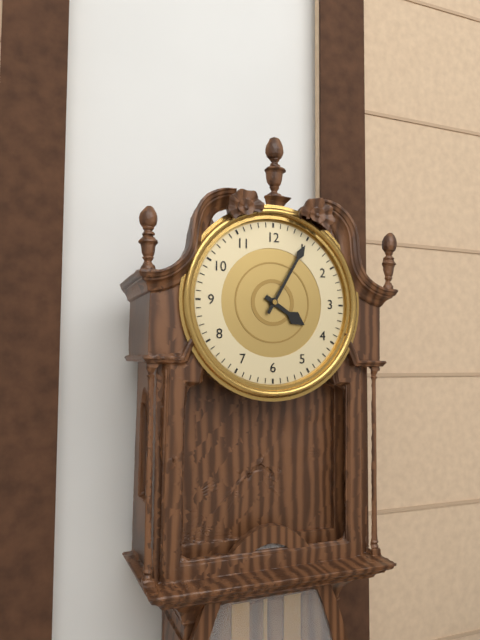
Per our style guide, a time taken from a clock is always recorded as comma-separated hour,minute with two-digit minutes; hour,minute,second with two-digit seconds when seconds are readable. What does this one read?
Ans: 4,05
